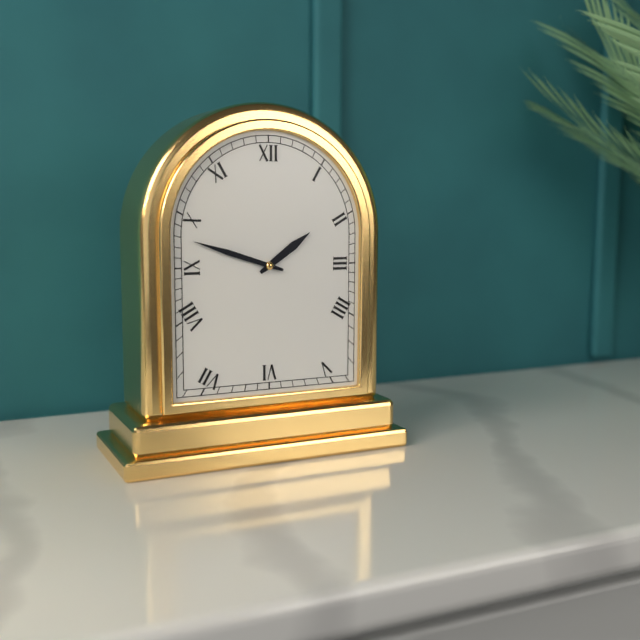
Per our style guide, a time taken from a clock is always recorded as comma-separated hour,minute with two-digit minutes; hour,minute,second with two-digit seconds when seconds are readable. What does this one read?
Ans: 1,48
